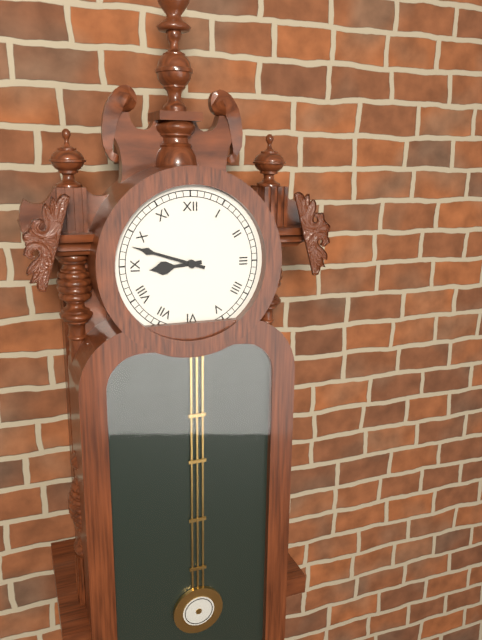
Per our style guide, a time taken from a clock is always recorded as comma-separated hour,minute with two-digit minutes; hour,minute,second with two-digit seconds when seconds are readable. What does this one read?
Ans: 8,48
